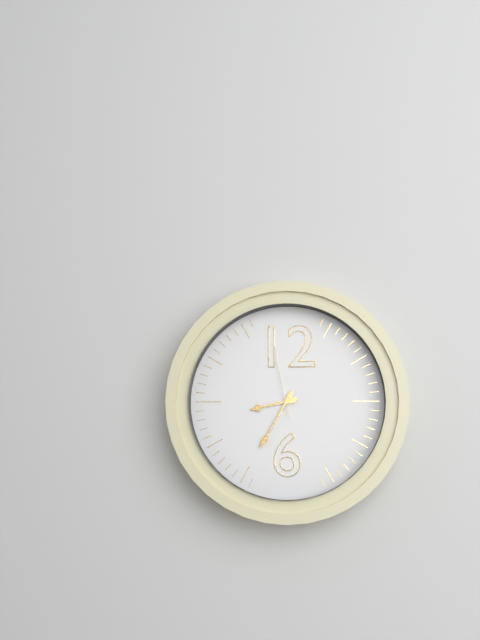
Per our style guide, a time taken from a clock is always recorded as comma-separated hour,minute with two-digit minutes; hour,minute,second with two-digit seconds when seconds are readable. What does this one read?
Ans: 8,35,58
